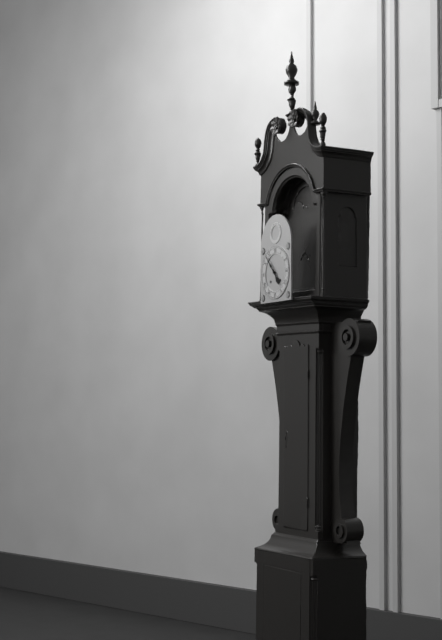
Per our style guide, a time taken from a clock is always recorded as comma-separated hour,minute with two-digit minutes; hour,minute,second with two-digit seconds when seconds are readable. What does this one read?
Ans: 4,53
